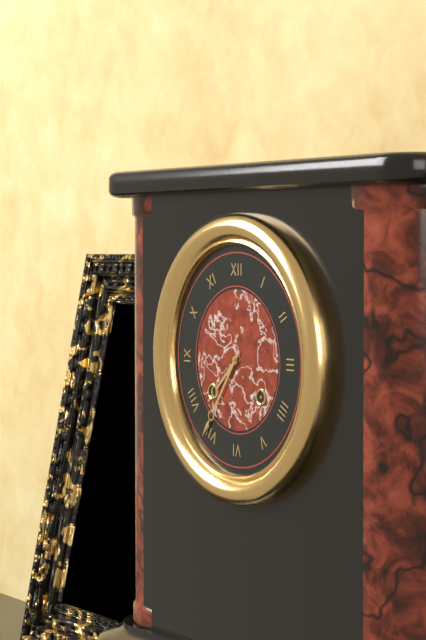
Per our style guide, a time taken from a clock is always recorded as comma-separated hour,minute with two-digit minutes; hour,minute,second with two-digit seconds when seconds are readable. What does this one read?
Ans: 7,36
